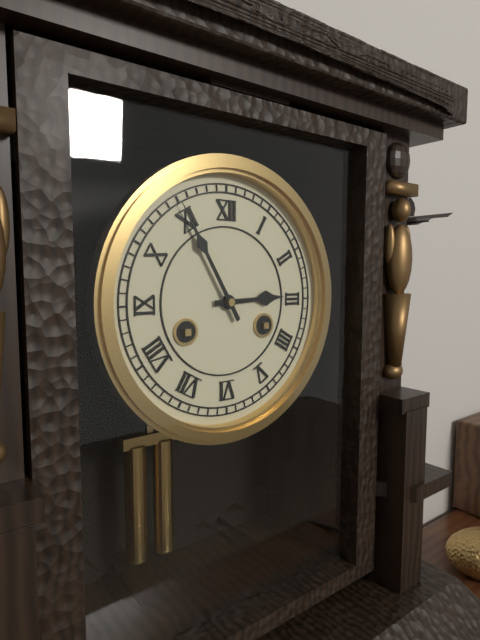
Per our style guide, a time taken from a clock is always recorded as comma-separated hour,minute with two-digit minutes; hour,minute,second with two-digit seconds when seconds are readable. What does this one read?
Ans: 2,55
